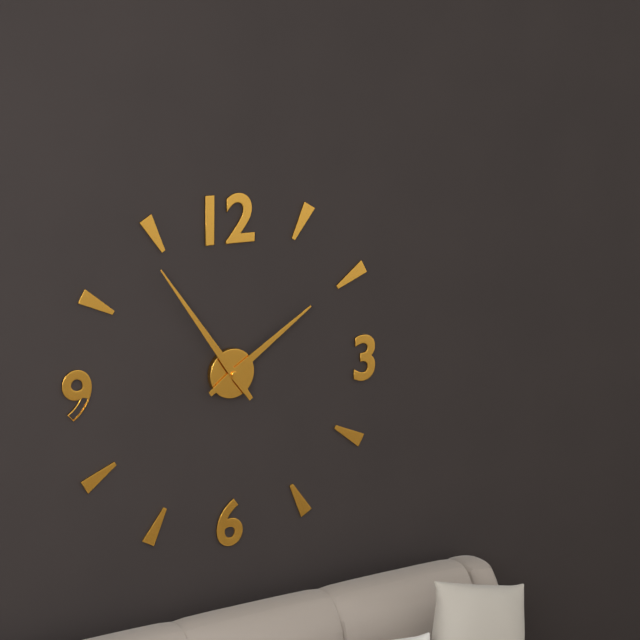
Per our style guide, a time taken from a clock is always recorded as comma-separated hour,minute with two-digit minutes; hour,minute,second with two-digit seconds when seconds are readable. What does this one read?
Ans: 1,54
